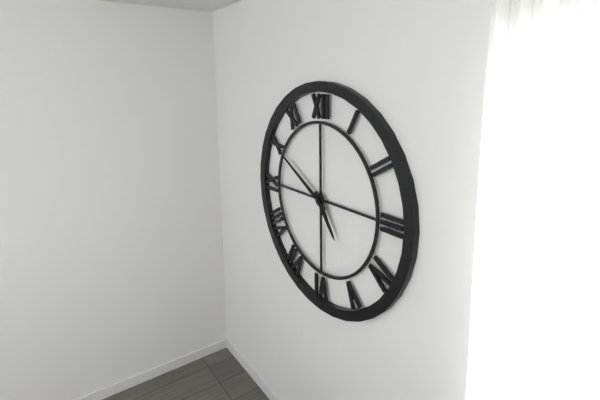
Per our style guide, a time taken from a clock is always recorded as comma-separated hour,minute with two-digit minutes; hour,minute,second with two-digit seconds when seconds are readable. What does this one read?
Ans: 4,50
